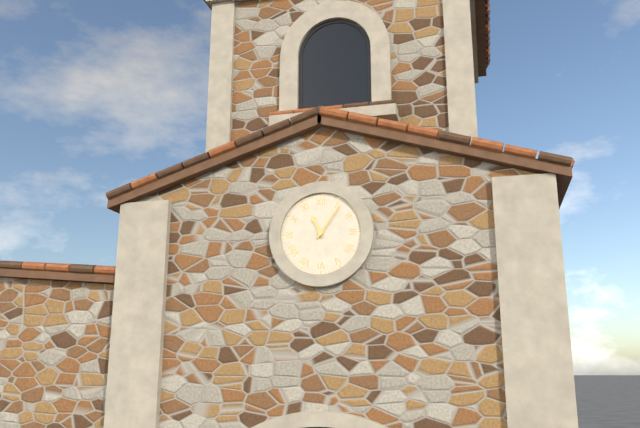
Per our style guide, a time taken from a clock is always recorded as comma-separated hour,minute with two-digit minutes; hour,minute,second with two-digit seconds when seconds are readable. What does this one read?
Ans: 11,06
